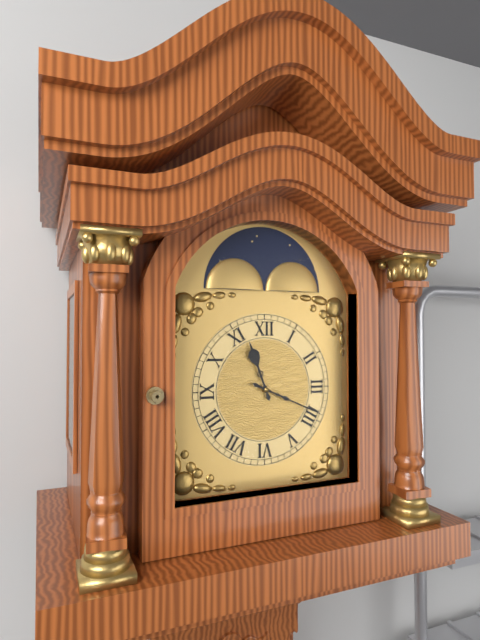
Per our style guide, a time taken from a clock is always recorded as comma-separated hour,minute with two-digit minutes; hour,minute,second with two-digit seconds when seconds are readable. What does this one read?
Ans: 11,19
